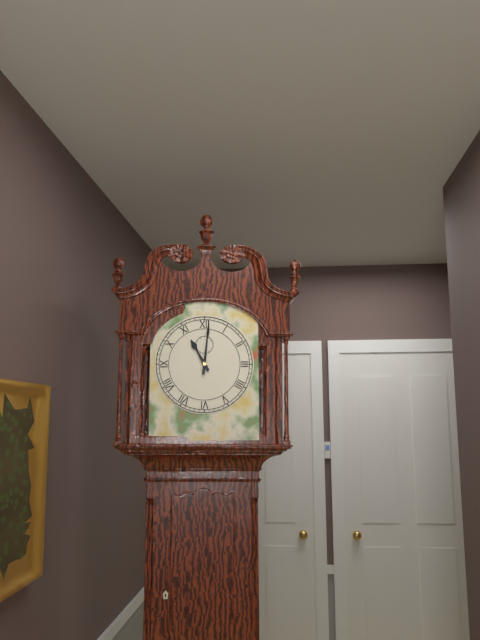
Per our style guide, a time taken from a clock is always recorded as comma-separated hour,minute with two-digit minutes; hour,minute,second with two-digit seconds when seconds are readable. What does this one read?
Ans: 11,01
